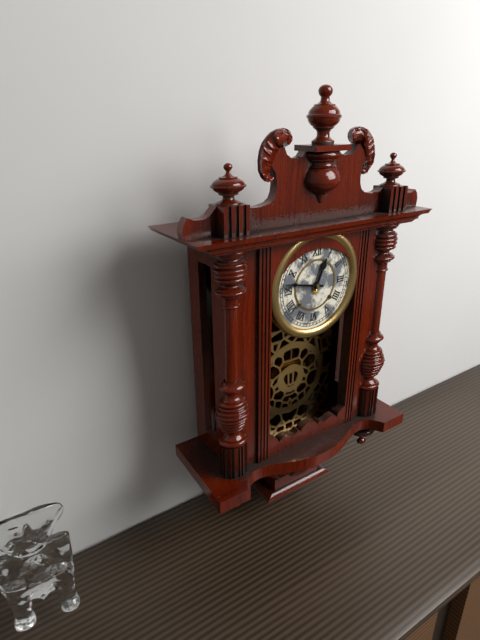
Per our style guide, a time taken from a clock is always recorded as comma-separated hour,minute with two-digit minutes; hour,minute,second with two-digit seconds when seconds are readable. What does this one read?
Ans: 12,47
